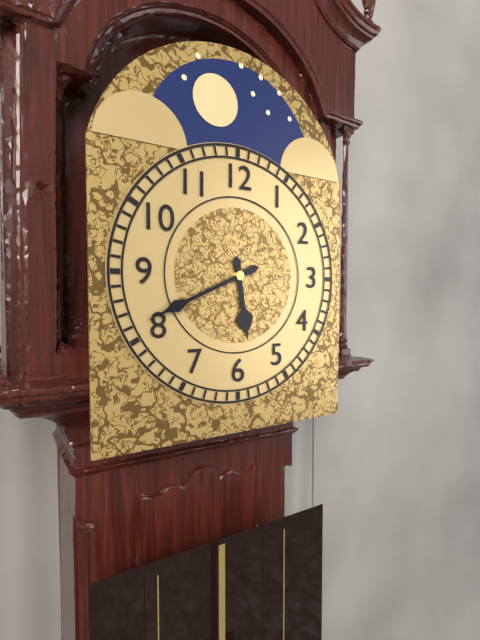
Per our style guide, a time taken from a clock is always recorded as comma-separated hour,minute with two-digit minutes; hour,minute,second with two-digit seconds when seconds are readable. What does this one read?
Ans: 5,41
